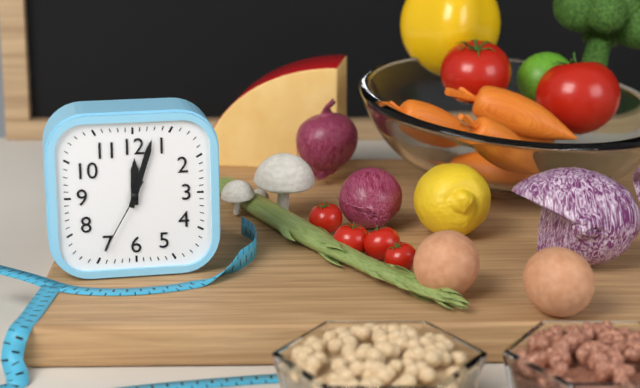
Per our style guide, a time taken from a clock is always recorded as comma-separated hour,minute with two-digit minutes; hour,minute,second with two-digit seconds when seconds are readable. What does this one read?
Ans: 12,03,35
